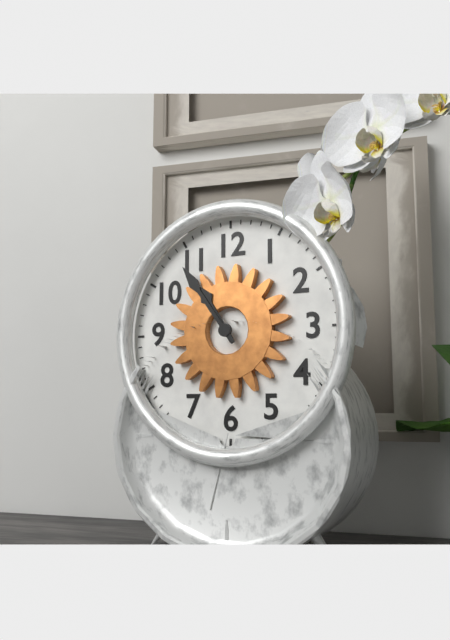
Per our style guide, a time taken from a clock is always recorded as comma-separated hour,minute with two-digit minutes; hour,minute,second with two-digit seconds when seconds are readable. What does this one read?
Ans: 10,54
